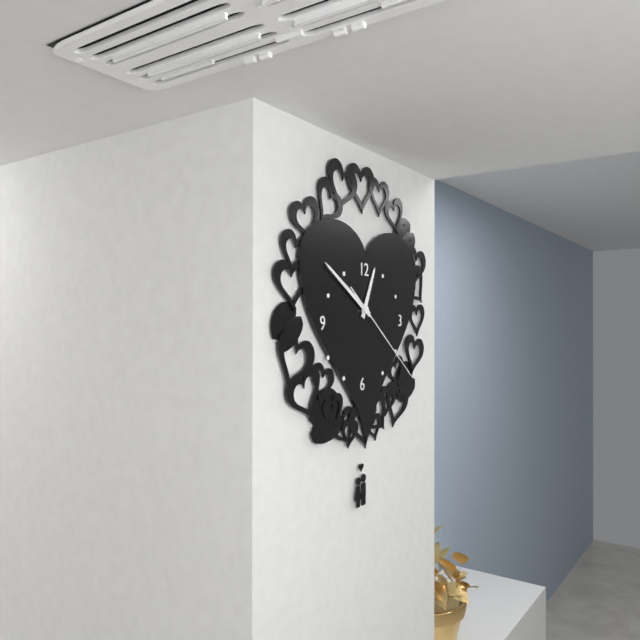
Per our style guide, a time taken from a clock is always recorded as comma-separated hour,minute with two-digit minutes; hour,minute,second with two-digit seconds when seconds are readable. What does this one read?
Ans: 12,50,21
